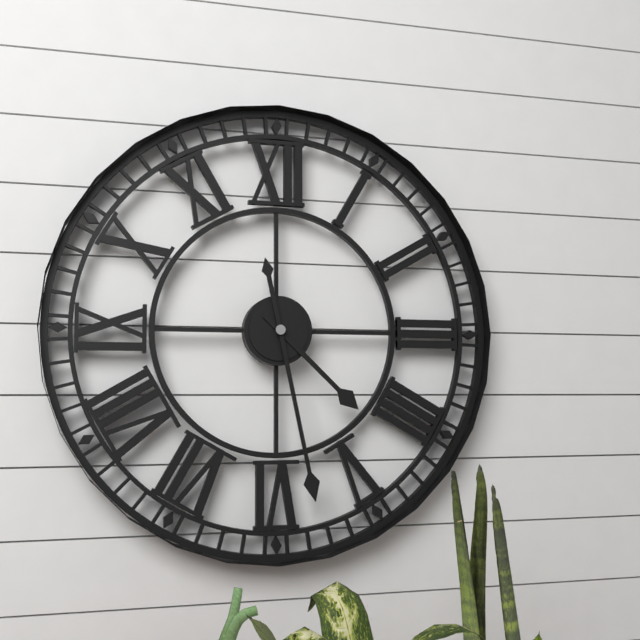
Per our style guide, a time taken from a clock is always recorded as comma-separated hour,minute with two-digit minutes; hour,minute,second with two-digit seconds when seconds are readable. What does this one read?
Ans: 4,28
